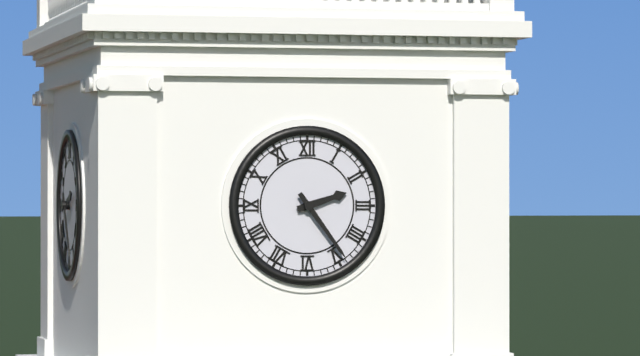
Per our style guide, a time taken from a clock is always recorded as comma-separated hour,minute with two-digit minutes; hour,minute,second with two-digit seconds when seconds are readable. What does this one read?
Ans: 2,24
